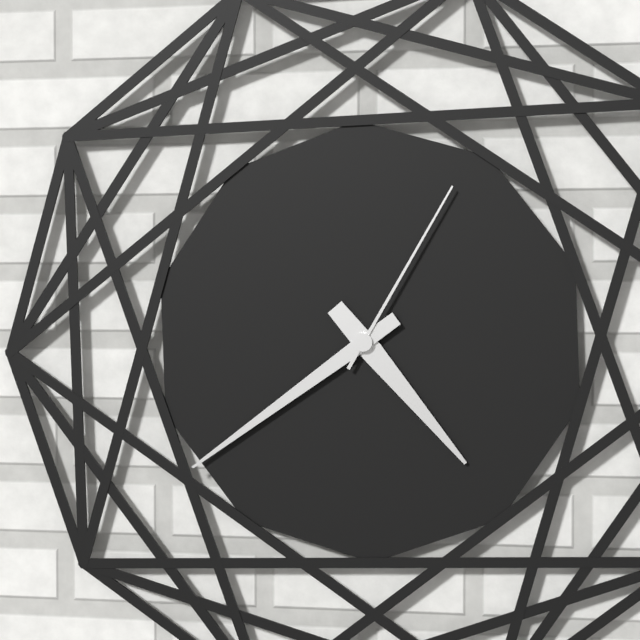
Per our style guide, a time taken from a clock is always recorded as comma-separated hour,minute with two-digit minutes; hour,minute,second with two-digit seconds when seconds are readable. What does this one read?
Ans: 4,39,05
